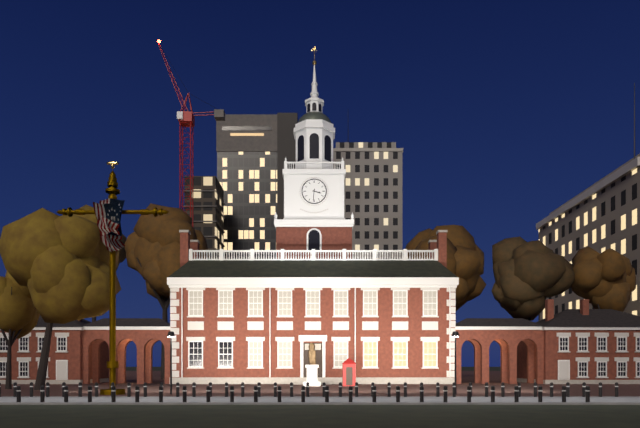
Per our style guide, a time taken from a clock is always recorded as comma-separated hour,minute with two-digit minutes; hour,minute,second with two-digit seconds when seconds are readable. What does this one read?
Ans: 3,31
